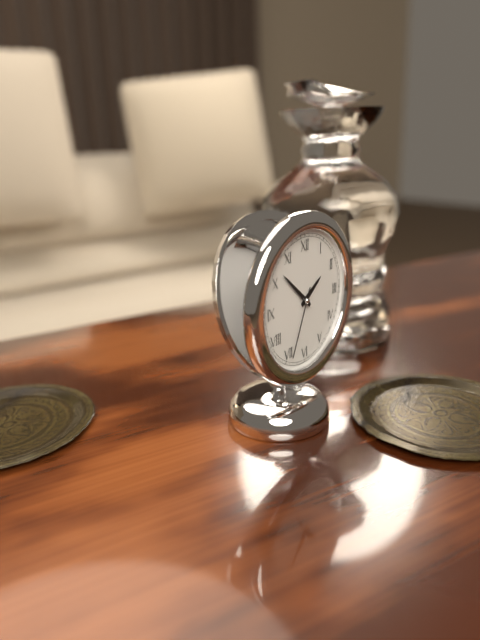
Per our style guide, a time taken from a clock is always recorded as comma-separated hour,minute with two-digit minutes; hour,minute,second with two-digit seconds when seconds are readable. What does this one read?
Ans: 1,52,34
